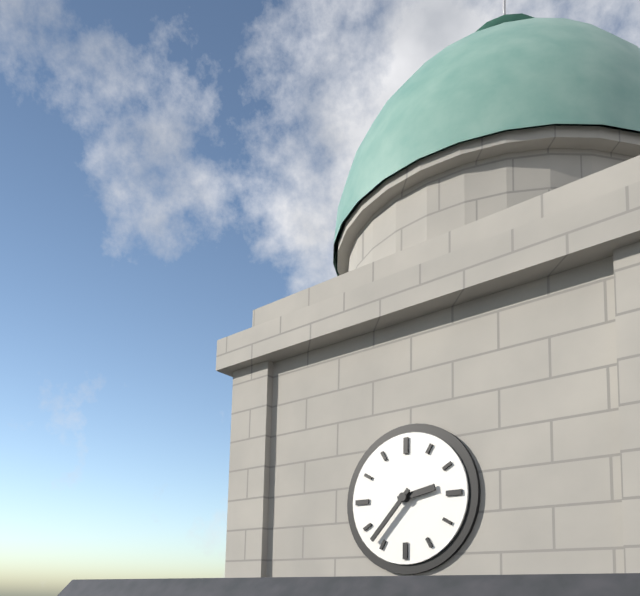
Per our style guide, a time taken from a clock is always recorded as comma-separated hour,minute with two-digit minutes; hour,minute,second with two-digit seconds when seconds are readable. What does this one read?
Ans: 2,37
